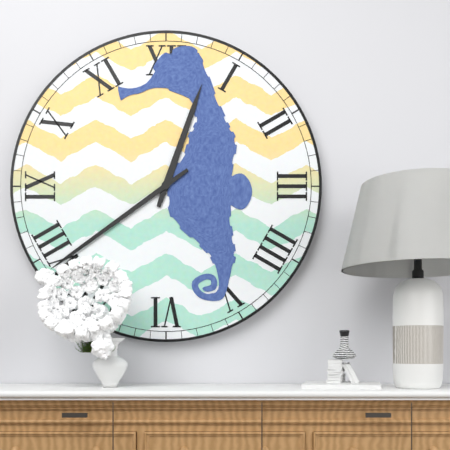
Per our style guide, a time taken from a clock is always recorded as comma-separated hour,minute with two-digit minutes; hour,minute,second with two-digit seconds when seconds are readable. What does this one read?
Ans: 12,39
